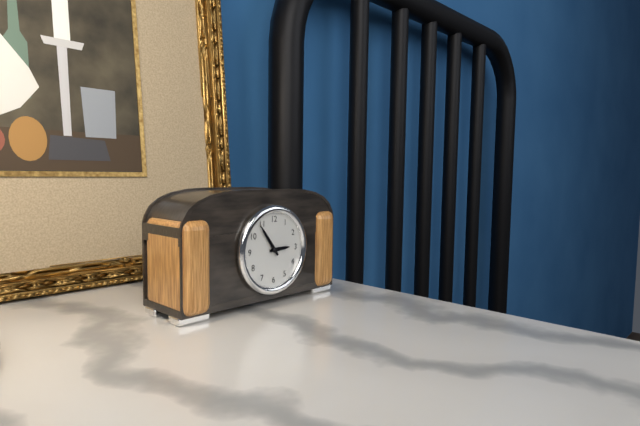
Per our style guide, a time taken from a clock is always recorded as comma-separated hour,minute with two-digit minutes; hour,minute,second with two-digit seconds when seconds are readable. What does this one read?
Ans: 2,54
